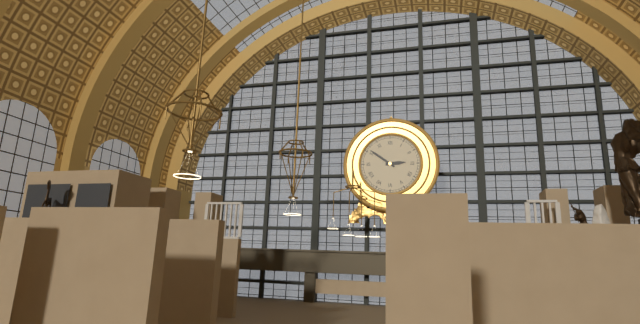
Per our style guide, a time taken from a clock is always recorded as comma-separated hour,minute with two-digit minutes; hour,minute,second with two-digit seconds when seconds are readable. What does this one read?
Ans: 2,51
